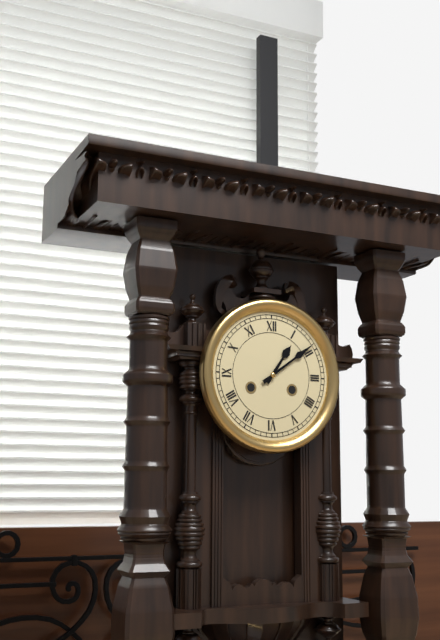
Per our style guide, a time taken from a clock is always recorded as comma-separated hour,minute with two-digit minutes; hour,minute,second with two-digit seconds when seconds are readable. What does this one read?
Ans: 1,09
